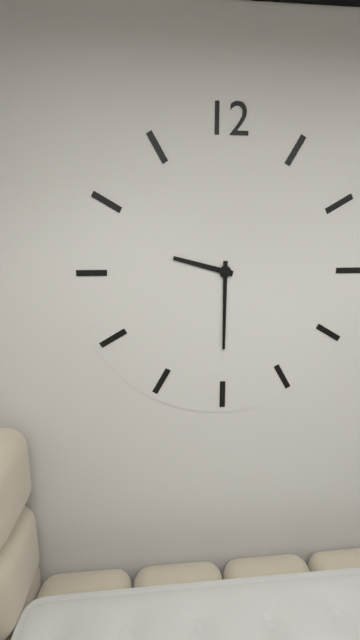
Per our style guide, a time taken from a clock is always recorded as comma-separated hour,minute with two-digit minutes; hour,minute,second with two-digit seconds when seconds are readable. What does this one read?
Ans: 9,30
